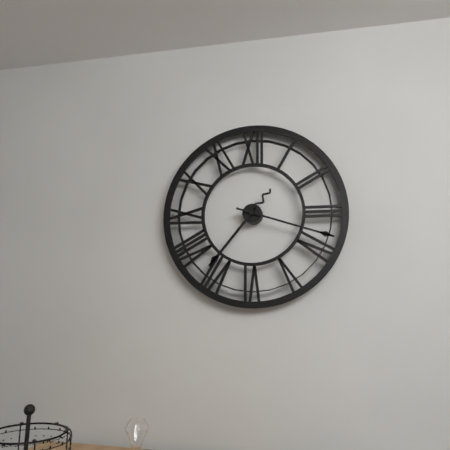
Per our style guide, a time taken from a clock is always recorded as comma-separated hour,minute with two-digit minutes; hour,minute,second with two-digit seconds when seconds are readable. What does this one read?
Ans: 7,18
